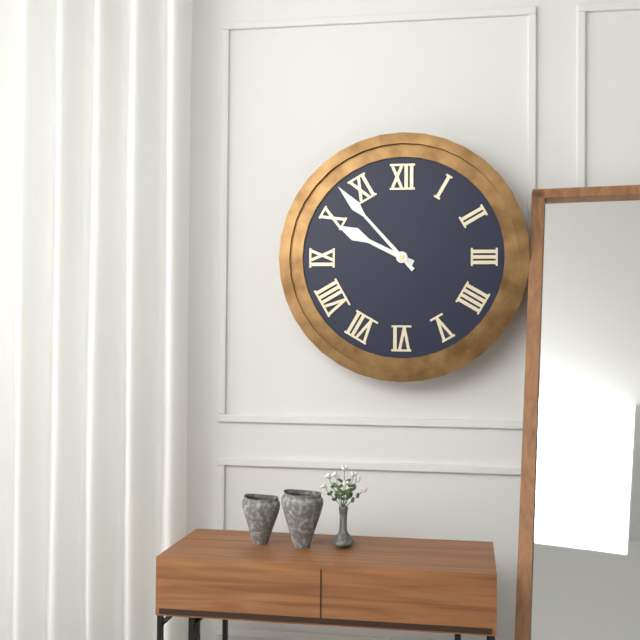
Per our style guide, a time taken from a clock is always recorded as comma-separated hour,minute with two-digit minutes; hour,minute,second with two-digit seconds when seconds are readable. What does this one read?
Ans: 9,53
